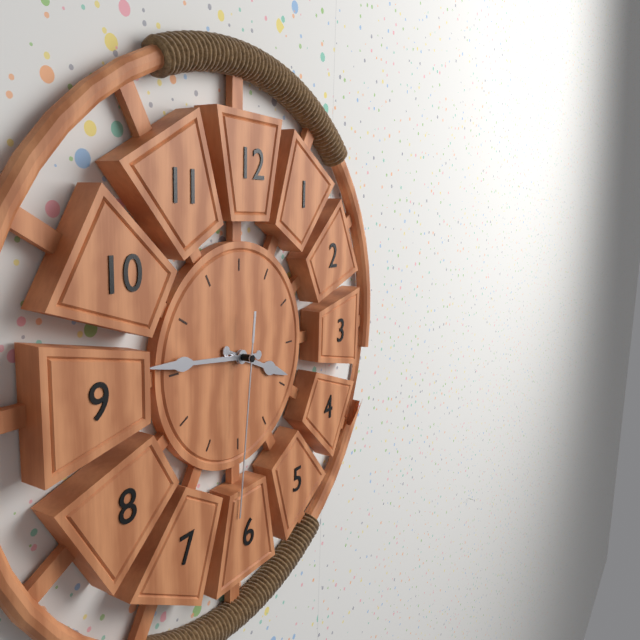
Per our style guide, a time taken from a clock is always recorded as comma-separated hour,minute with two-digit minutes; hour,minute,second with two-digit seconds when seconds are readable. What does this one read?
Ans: 3,46,31
